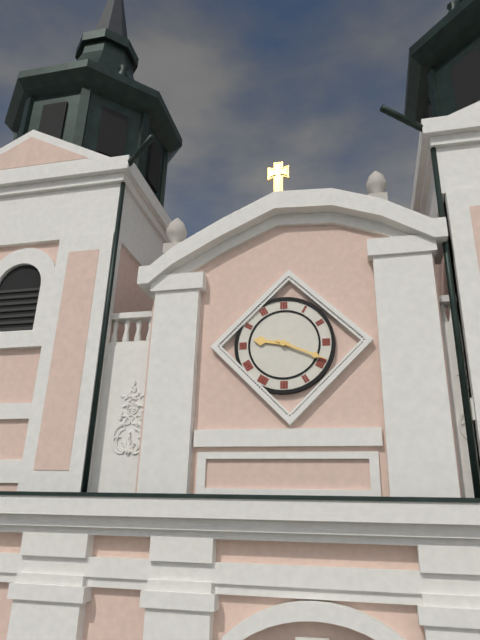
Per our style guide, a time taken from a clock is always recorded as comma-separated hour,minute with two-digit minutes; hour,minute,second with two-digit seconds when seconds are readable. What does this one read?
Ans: 9,19
